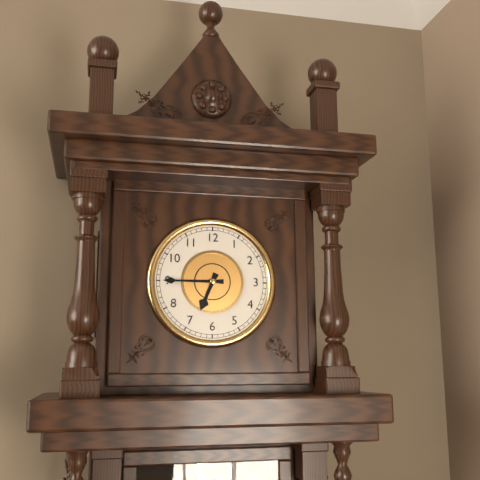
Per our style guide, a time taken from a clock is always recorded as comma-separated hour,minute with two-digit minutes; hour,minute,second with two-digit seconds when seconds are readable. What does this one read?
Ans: 6,45
